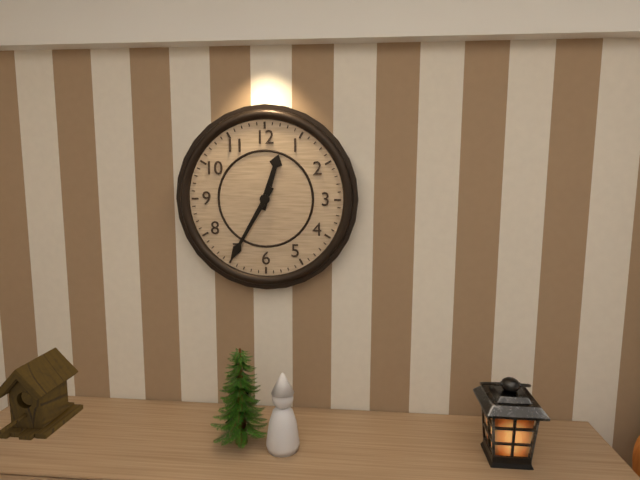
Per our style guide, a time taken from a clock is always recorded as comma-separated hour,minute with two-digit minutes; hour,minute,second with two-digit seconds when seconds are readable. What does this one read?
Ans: 12,35
